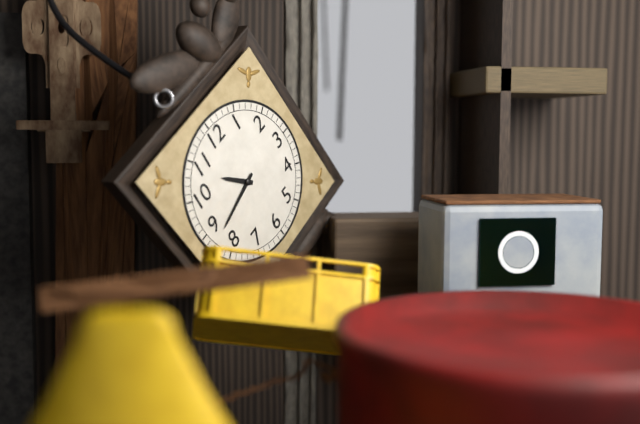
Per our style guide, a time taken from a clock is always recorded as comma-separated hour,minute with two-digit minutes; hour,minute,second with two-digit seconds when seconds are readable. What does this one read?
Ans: 10,43
